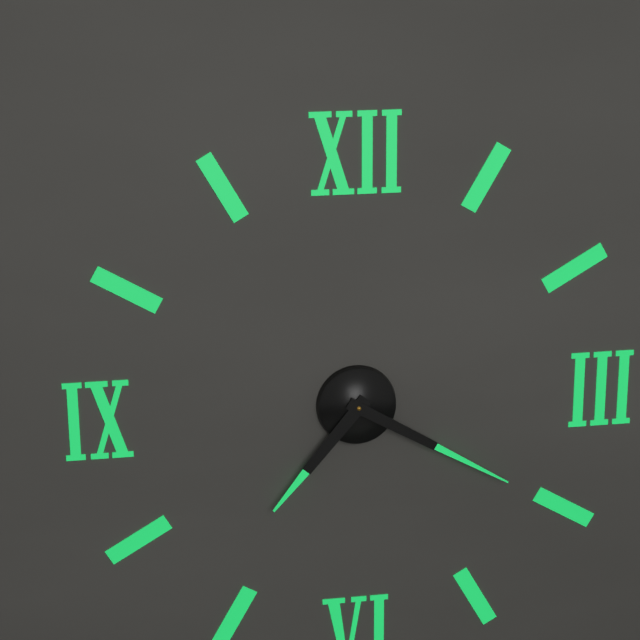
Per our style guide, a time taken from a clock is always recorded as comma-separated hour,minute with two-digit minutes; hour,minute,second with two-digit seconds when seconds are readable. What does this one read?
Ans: 7,20
